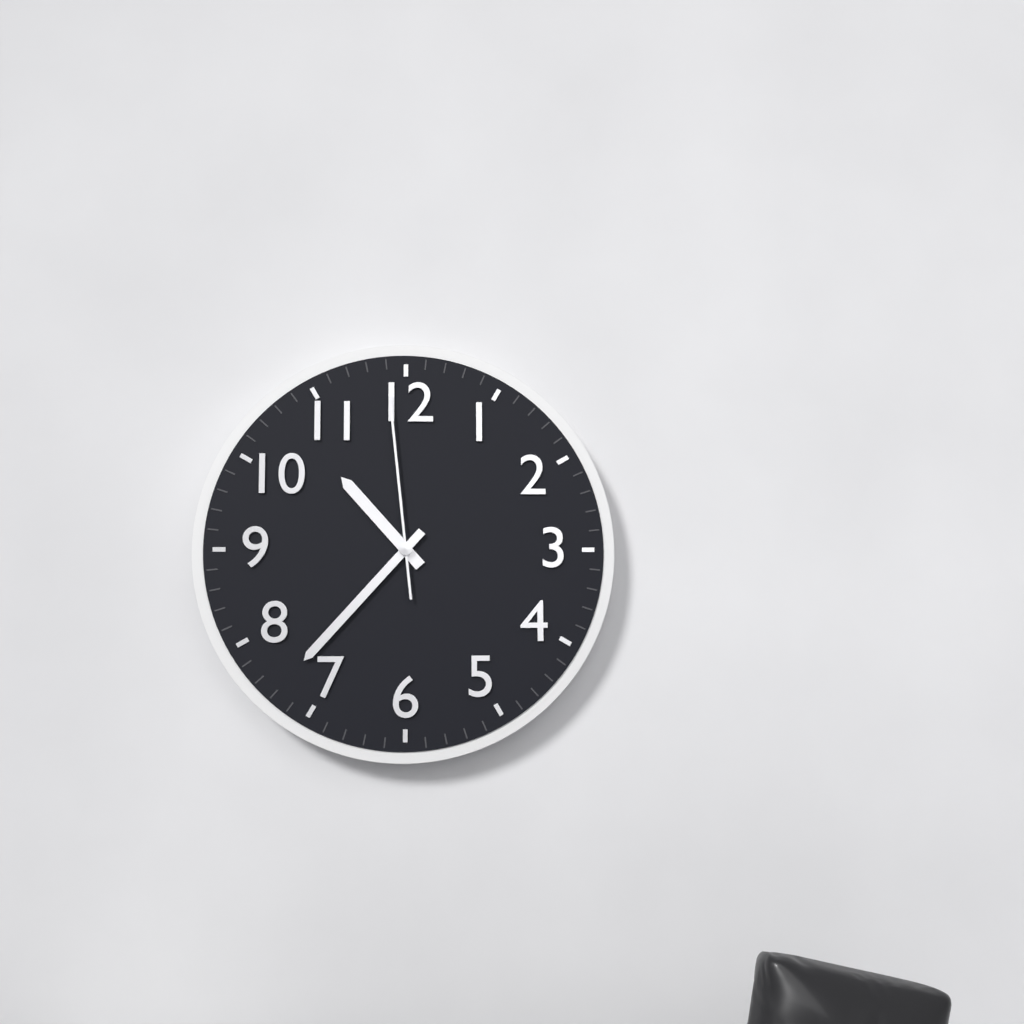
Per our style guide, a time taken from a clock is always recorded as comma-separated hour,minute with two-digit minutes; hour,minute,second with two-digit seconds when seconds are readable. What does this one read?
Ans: 10,37,59
